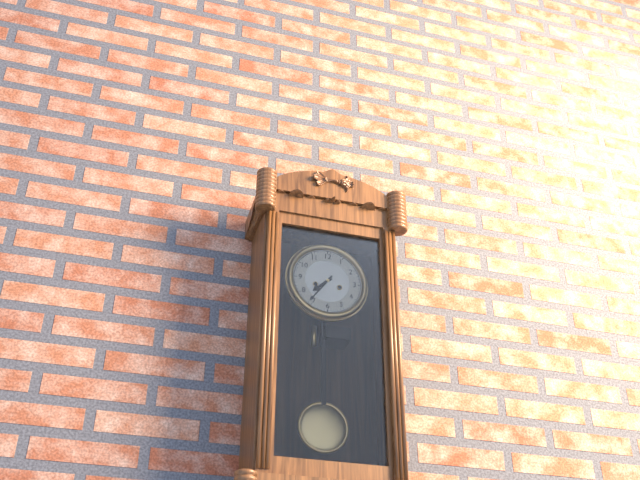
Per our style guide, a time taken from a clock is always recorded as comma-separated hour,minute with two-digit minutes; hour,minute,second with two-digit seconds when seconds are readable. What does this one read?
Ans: 7,36
